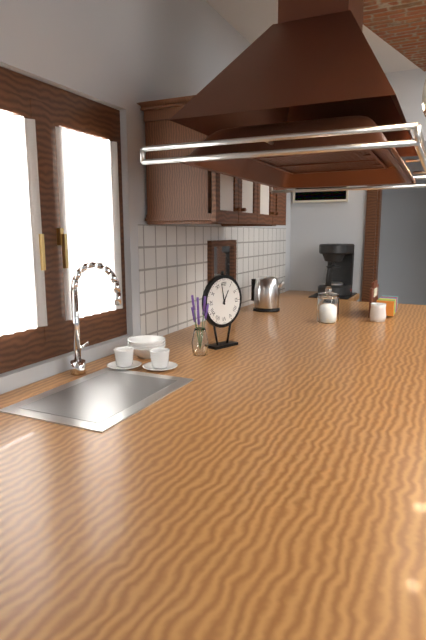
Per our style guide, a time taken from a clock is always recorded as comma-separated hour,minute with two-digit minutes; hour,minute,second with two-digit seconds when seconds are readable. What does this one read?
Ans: 12,58
